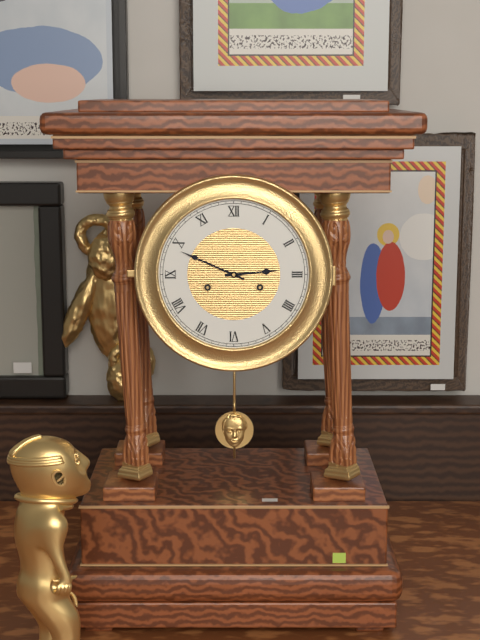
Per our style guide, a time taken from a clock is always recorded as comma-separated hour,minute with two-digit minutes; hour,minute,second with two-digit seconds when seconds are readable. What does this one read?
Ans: 2,49
